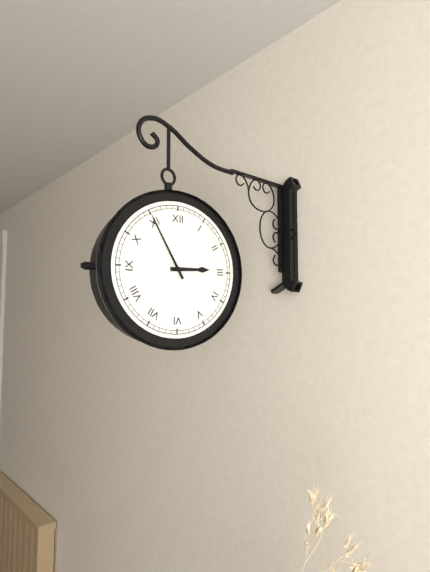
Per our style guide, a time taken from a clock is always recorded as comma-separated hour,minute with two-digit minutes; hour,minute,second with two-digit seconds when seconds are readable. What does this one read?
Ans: 2,55
